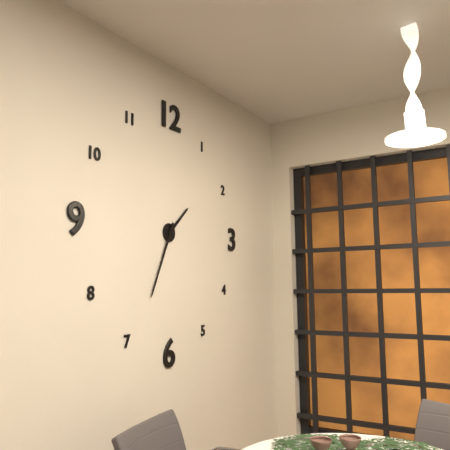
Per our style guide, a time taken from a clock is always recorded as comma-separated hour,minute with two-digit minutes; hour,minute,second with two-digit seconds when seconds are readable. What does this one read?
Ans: 1,34
